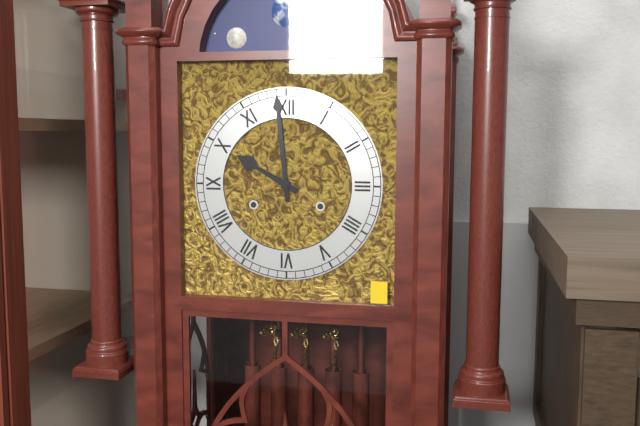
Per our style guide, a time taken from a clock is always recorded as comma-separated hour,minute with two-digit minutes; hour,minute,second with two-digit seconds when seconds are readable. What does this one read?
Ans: 9,59
